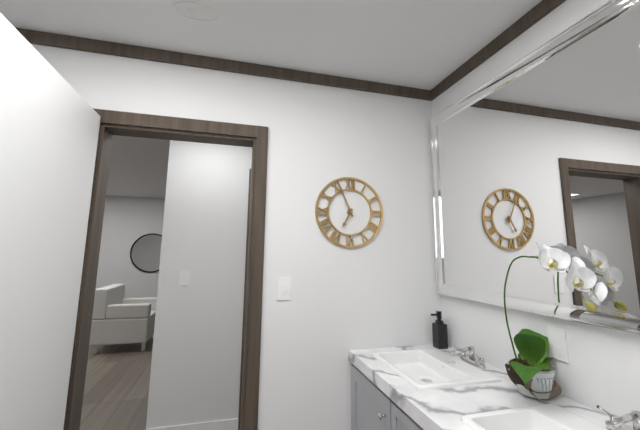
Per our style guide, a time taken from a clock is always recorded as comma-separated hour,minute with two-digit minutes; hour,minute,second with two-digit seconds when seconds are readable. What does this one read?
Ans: 6,56
